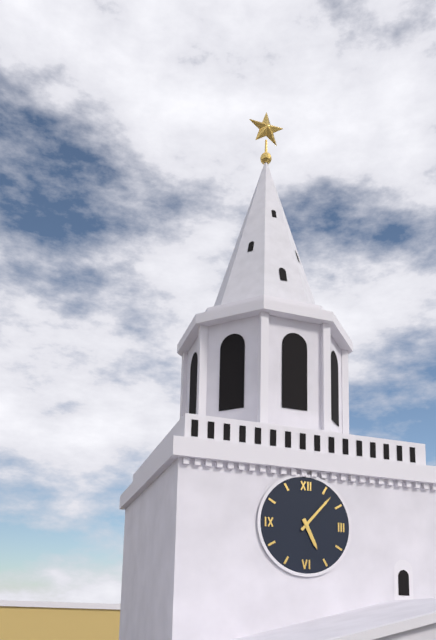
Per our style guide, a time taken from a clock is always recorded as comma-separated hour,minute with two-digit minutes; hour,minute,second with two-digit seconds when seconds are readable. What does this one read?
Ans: 5,07
